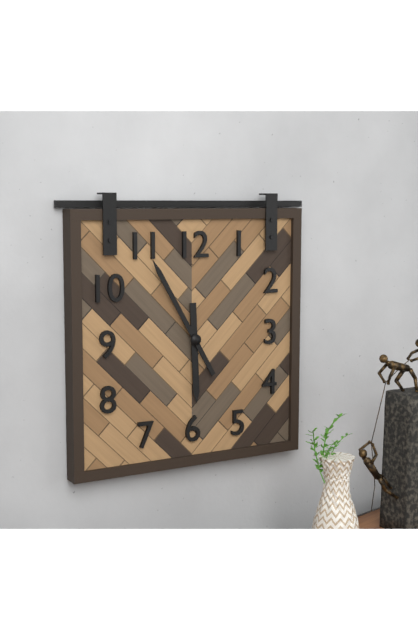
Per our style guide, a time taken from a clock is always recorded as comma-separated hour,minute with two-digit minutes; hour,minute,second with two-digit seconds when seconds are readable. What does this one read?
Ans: 5,55
